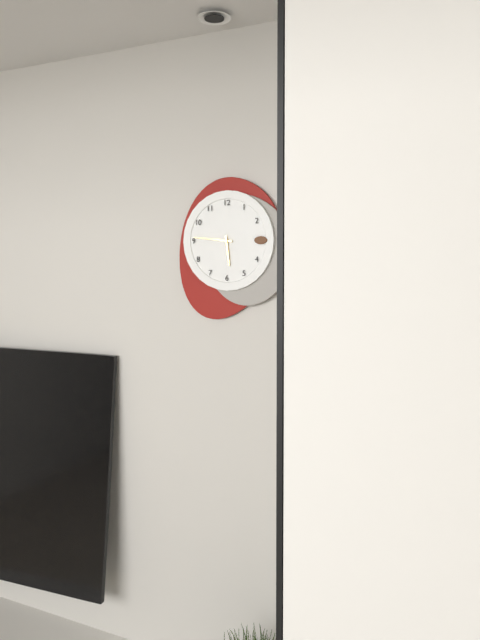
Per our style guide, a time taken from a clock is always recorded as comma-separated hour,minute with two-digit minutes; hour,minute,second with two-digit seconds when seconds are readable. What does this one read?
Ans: 5,46
